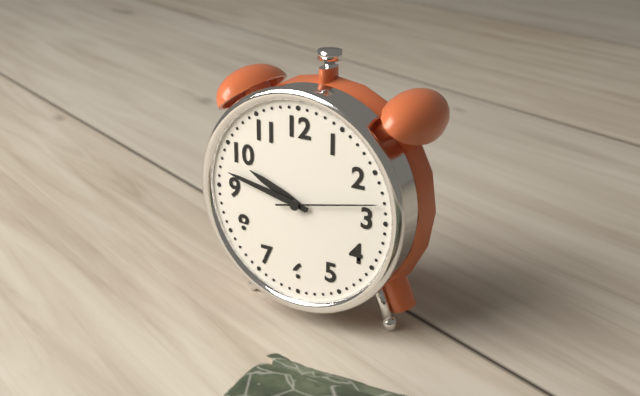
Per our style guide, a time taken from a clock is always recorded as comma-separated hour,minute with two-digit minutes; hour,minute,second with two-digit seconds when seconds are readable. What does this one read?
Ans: 9,47,13
